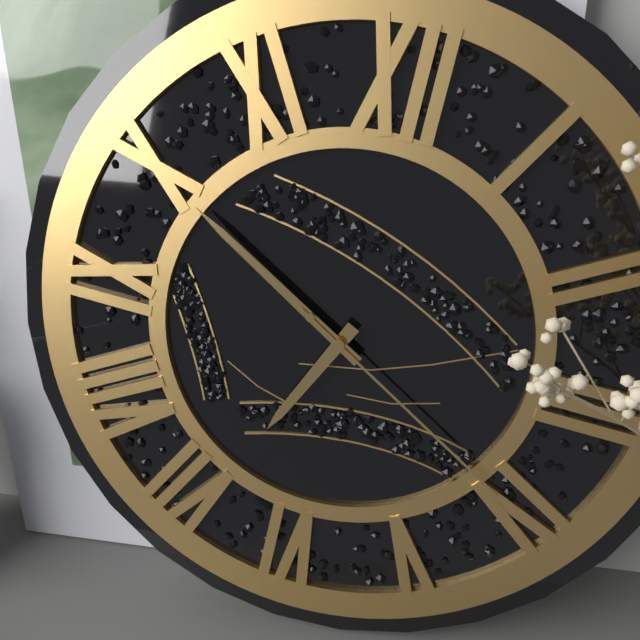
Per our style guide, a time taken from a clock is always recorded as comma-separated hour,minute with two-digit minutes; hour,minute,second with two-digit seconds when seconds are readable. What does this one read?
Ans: 6,50,20
